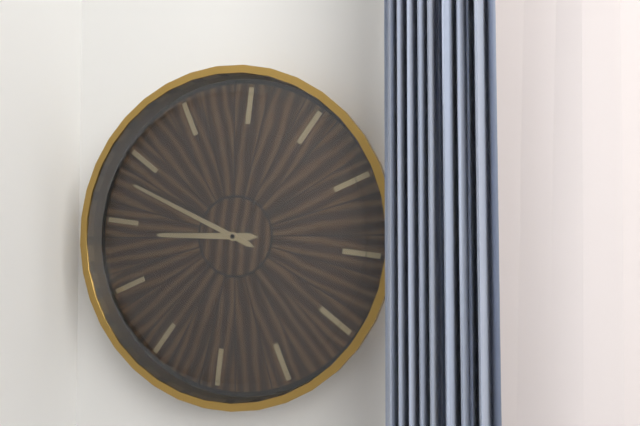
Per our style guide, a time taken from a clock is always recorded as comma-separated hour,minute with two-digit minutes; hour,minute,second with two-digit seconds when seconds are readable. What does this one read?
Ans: 8,48
